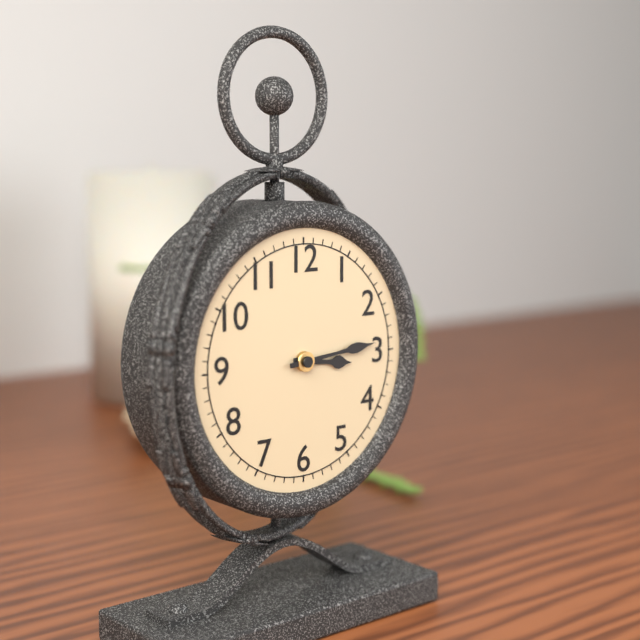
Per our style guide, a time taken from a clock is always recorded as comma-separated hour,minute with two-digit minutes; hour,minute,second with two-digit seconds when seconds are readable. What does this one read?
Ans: 3,14
